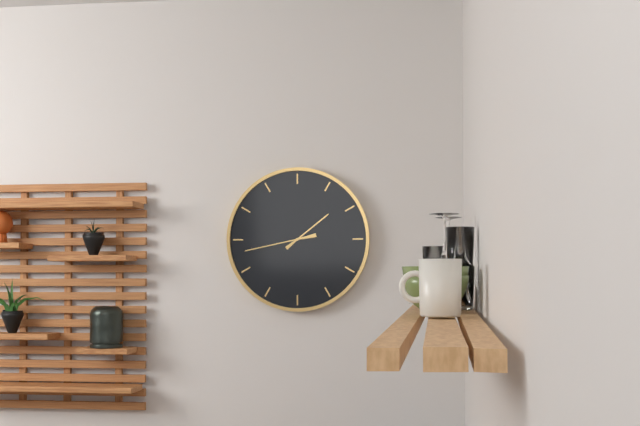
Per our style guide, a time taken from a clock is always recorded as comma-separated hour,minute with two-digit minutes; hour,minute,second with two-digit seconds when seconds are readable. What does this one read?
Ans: 1,43
